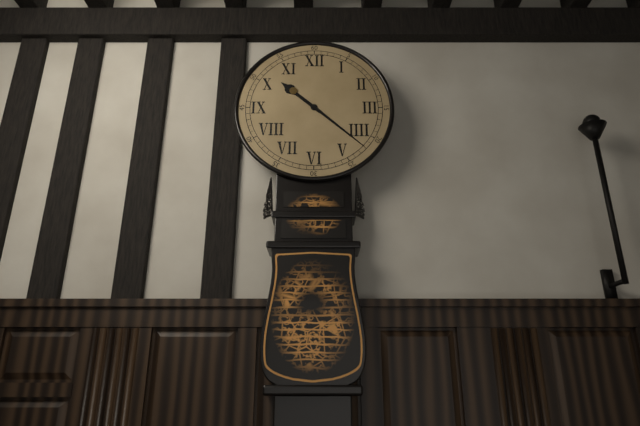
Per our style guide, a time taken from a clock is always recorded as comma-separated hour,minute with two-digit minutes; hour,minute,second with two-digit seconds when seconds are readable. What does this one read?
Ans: 10,22
